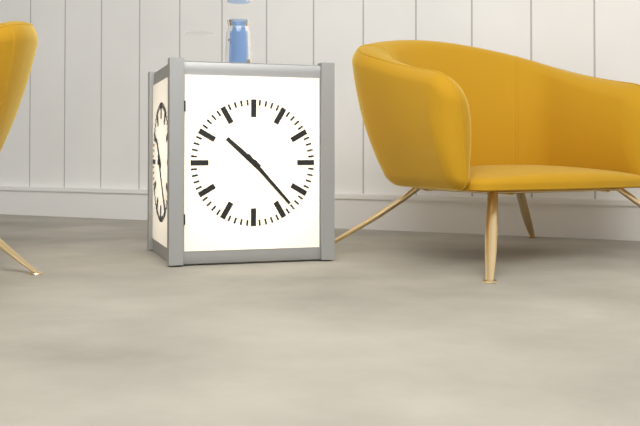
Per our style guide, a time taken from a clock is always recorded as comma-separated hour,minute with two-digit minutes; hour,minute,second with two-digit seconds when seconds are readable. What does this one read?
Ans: 10,23
